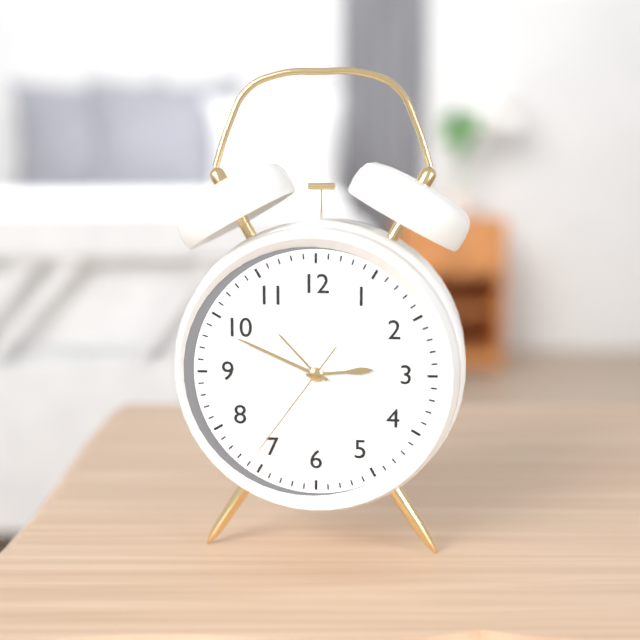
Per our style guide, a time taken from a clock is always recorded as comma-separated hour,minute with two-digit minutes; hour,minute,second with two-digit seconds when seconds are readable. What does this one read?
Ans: 2,49,36
